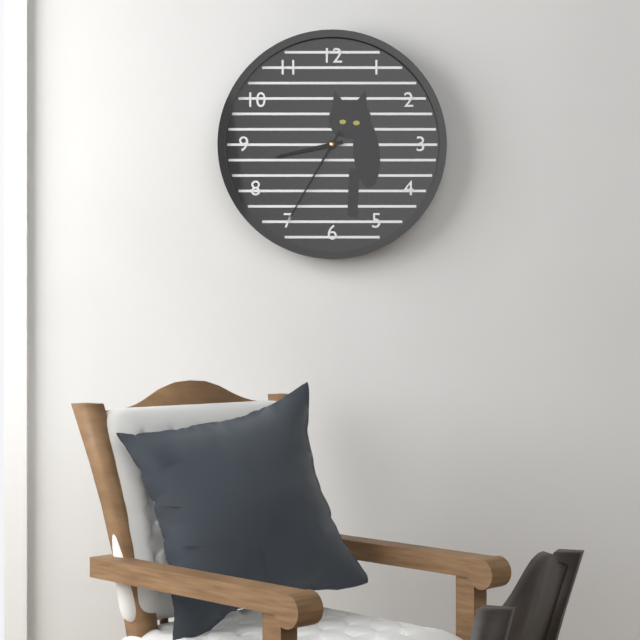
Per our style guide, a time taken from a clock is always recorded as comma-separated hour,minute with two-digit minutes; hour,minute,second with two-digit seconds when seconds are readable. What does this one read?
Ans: 8,35
